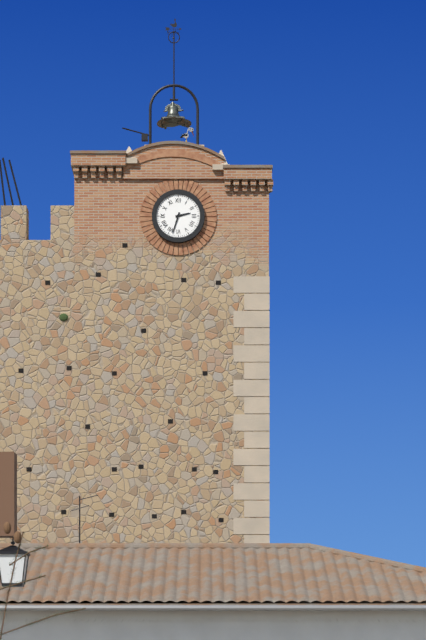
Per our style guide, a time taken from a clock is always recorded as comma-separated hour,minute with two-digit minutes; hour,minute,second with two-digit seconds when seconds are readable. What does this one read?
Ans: 2,33
